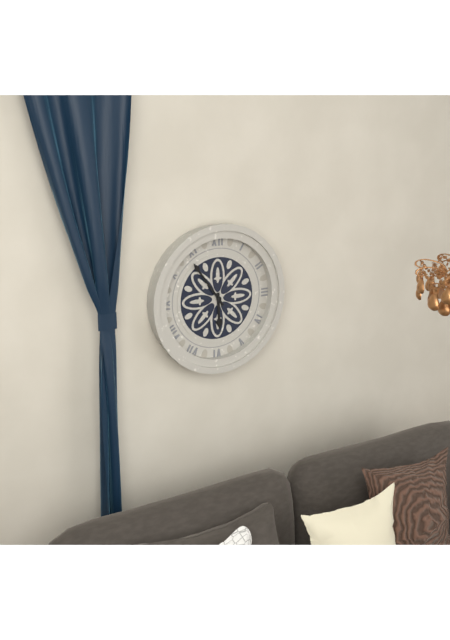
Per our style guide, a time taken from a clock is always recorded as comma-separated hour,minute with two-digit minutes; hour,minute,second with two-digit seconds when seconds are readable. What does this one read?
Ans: 5,54
